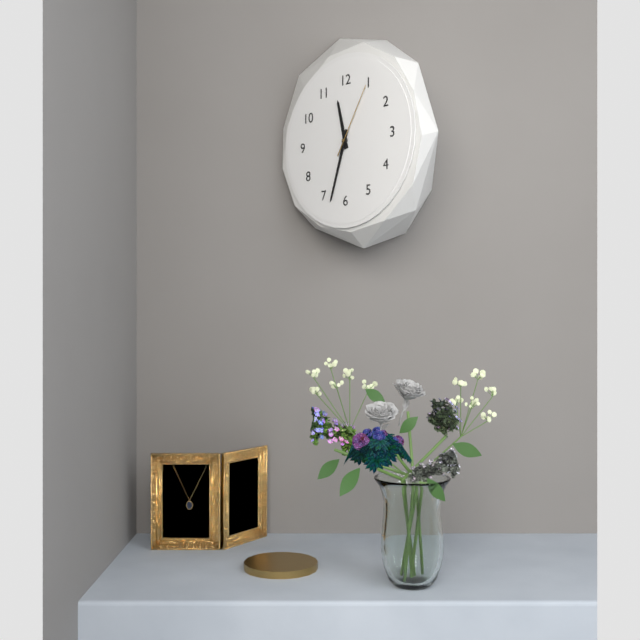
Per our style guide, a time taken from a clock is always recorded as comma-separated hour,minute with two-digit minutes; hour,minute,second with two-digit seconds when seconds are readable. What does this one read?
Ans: 11,33,05
